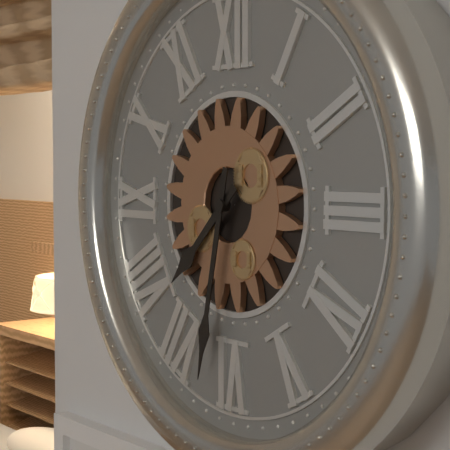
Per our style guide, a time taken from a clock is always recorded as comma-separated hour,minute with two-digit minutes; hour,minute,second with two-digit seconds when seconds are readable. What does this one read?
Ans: 7,32
